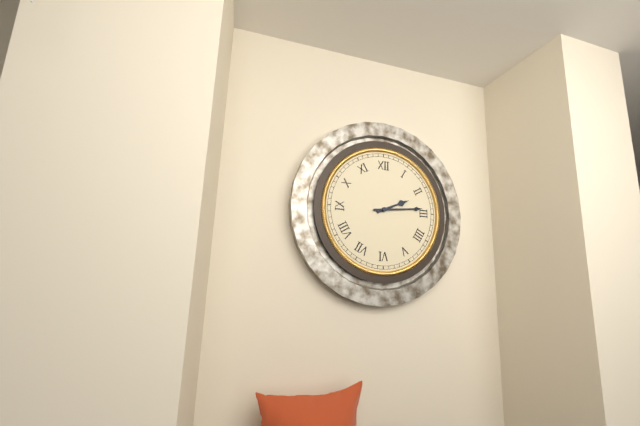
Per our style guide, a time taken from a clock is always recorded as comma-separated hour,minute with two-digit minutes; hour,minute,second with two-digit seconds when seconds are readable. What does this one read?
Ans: 2,14
